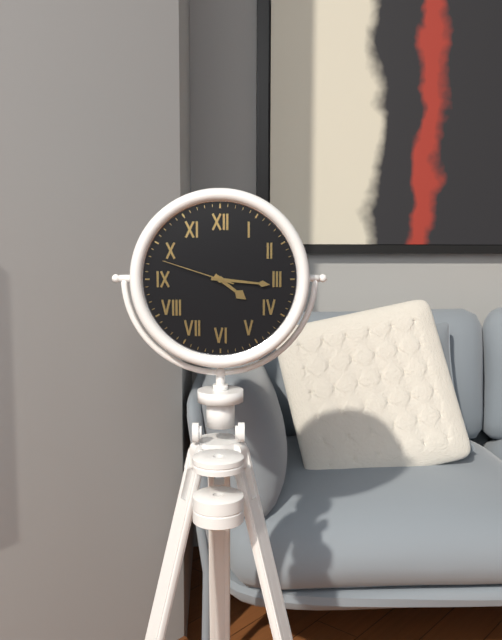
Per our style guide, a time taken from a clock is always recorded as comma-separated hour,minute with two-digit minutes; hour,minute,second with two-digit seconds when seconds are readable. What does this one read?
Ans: 4,16,48
